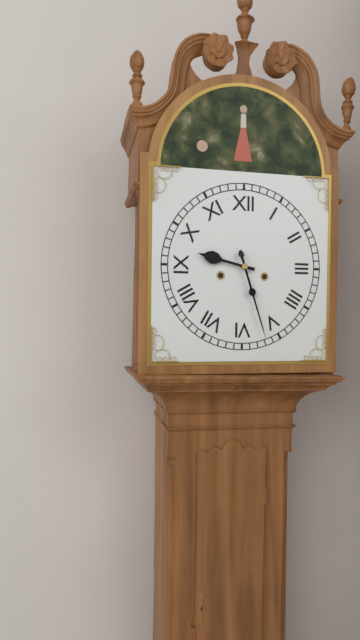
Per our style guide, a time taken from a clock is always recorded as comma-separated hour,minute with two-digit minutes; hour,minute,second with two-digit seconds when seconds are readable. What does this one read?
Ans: 9,27
